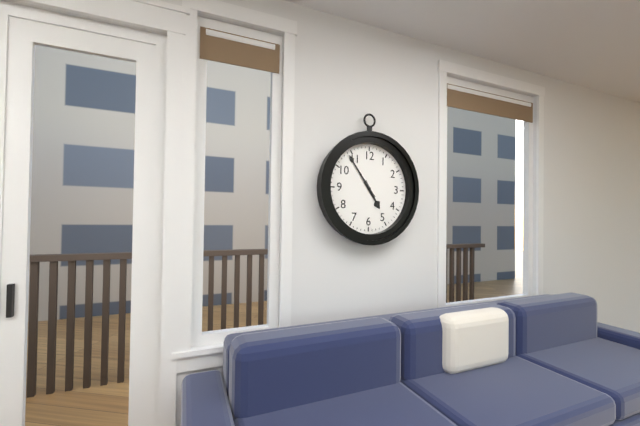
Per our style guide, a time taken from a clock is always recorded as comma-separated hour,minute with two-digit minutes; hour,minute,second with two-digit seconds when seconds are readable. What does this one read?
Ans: 4,54
